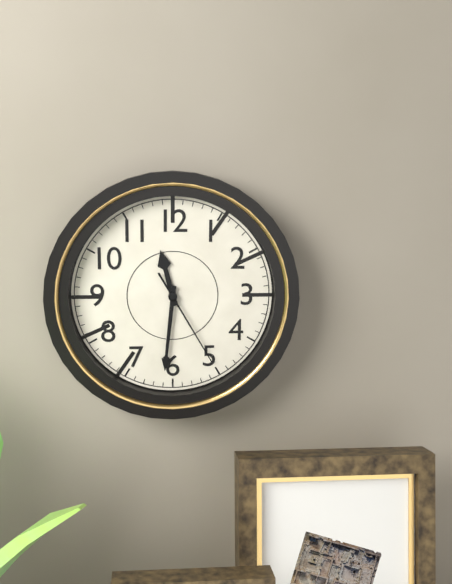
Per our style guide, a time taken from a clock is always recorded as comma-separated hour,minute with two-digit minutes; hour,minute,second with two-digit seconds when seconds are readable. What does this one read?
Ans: 11,31,25
